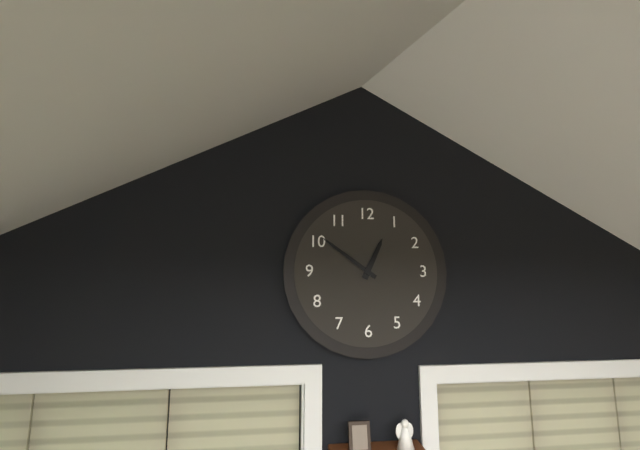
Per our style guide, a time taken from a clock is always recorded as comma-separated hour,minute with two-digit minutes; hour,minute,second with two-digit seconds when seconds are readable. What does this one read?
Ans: 12,51
